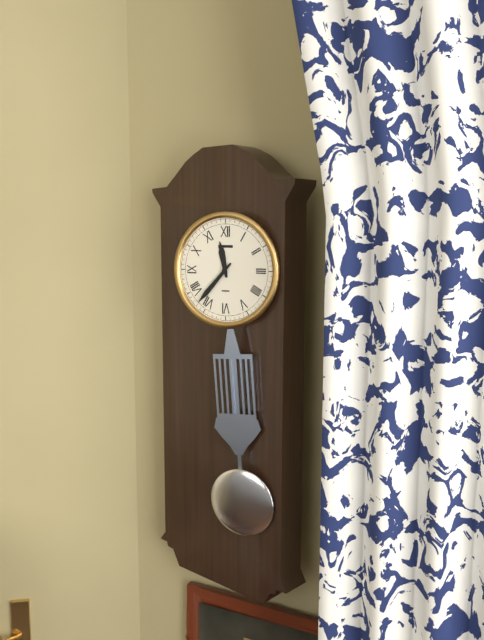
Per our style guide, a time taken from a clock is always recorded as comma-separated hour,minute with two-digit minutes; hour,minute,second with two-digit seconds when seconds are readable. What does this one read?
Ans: 11,37
